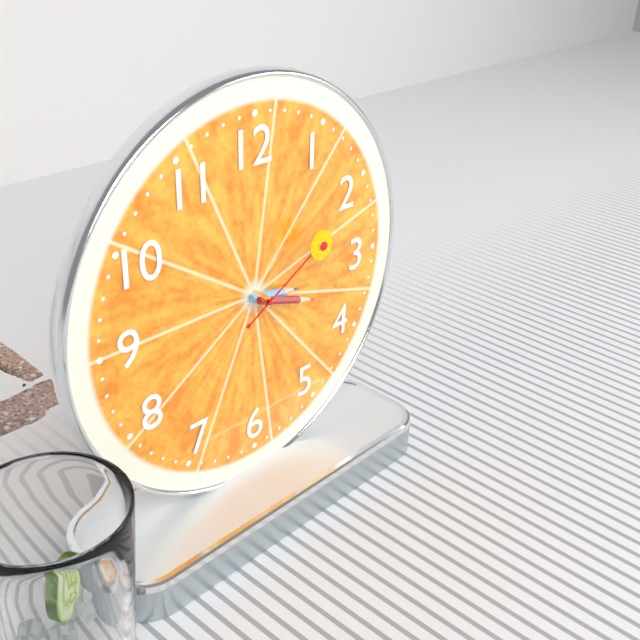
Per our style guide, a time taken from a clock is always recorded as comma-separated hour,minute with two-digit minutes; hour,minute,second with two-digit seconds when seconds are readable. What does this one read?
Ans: 3,18,10
